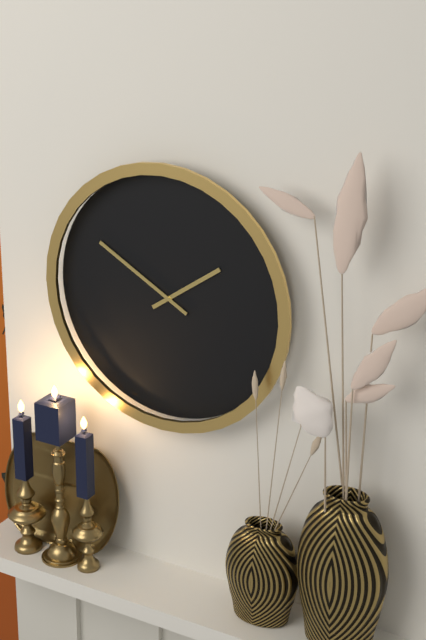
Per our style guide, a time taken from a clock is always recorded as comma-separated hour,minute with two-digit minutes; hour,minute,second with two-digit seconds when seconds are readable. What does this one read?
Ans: 1,50
